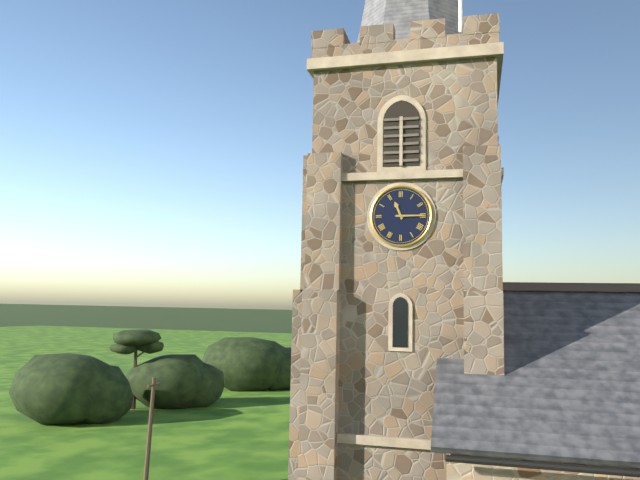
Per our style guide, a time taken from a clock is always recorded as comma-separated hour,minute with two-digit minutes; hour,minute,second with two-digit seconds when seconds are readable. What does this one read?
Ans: 11,15
